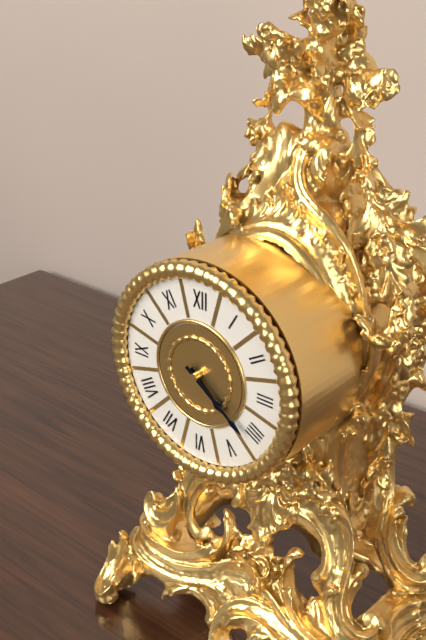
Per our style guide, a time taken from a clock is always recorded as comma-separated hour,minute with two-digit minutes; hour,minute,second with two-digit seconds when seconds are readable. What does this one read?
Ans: 4,21
